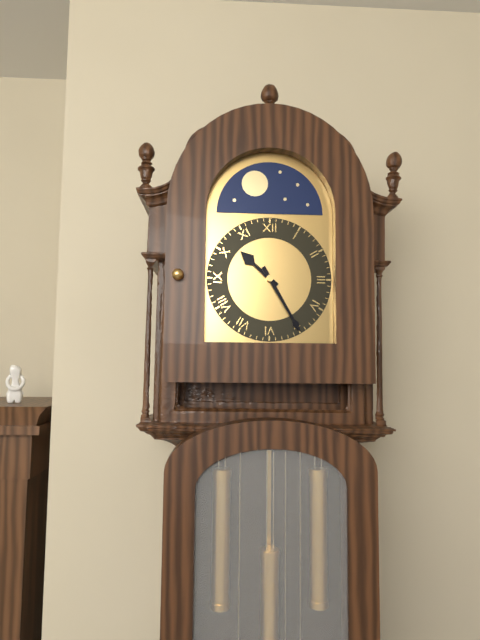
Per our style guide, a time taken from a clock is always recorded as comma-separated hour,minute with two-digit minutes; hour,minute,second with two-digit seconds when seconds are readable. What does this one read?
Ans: 10,25
